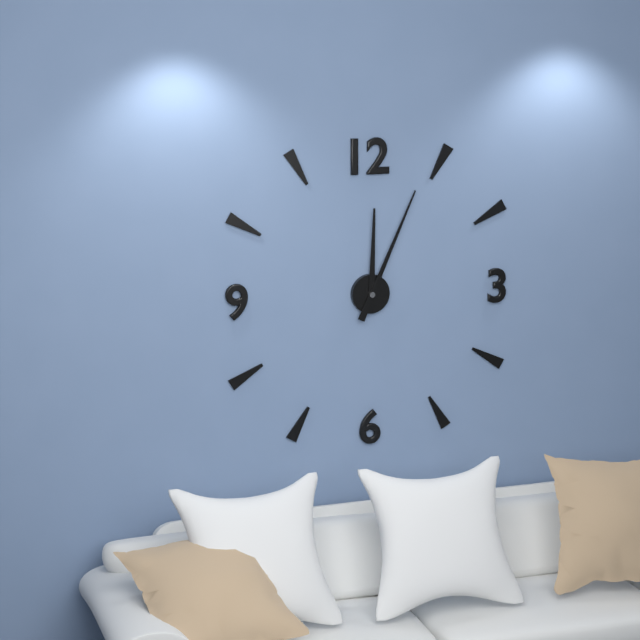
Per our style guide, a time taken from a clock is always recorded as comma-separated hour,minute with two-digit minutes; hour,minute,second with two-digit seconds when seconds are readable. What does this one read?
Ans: 12,04
